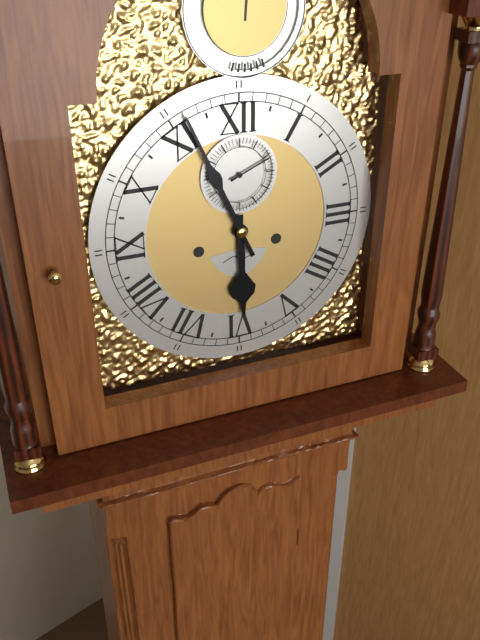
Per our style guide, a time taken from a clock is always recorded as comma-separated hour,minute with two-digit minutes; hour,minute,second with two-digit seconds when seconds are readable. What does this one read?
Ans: 5,56
